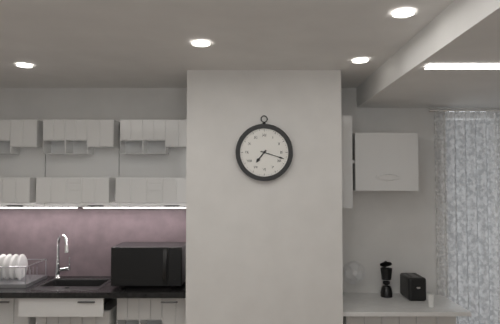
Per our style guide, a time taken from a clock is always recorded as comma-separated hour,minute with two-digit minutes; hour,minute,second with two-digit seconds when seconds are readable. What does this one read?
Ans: 7,18
